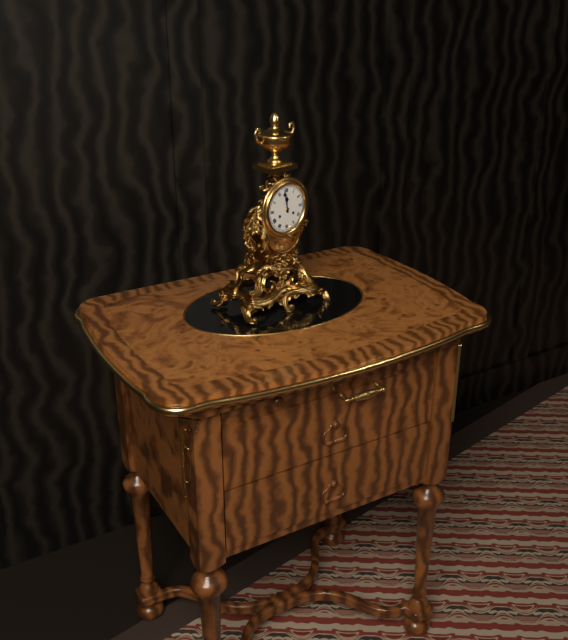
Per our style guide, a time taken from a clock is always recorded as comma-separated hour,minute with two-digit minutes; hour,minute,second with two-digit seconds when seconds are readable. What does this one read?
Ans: 11,58
